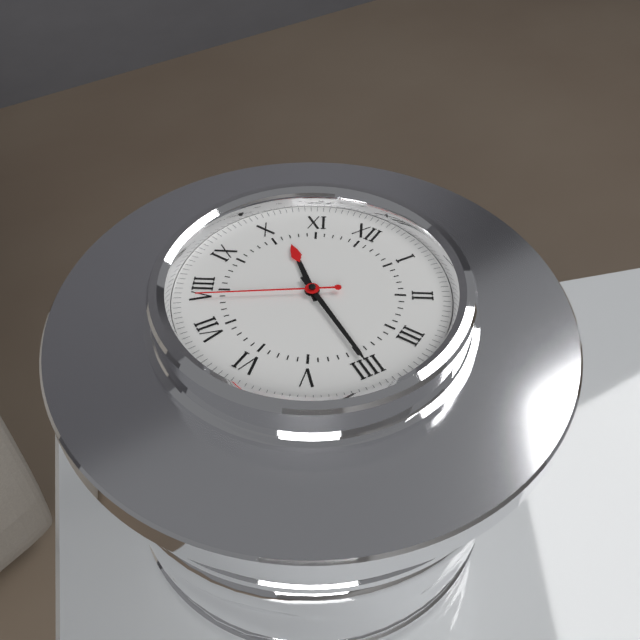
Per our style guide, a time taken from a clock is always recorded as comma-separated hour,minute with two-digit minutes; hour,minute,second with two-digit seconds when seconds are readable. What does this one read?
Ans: 10,20,39
